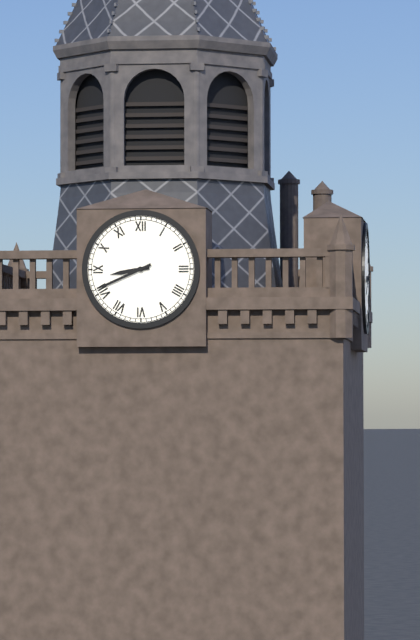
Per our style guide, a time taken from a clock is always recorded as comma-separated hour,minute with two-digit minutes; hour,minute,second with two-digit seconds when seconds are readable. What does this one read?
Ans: 8,41
